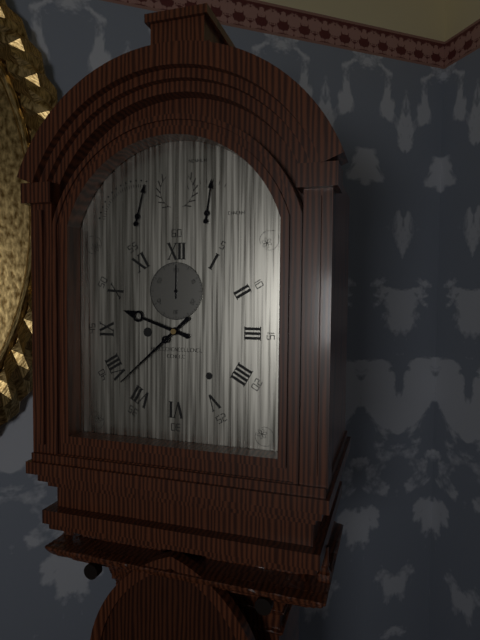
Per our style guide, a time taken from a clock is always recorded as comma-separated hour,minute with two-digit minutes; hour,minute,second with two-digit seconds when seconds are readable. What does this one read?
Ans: 9,38
